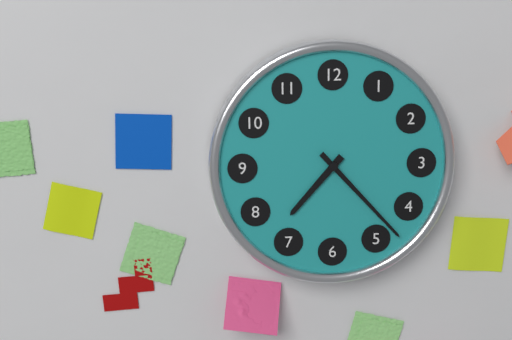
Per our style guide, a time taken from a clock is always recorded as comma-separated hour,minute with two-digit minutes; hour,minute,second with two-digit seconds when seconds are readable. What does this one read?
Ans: 7,23
